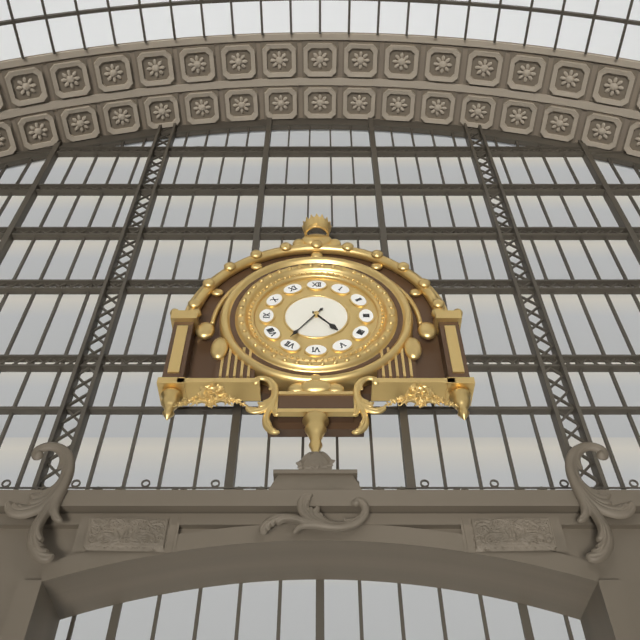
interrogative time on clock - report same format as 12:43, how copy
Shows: 4:36
